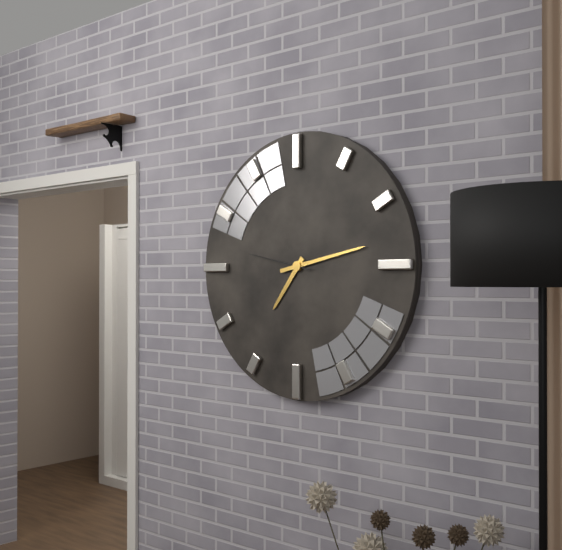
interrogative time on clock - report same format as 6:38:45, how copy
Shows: 7:13:47
